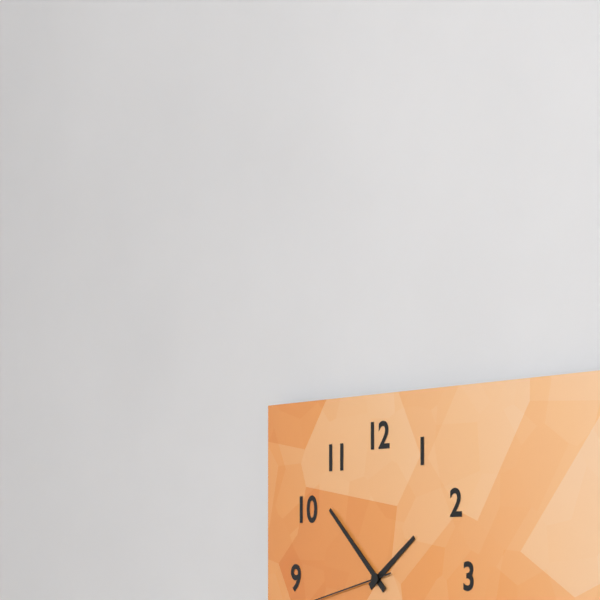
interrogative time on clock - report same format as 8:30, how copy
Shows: 1:52
